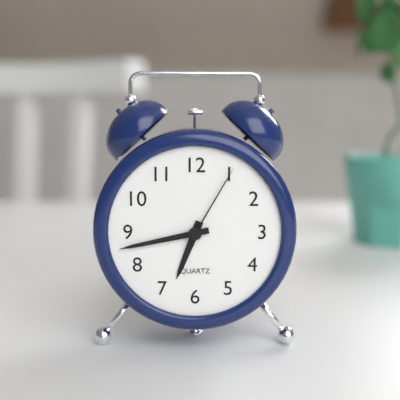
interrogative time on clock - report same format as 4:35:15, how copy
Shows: 6:43:05
